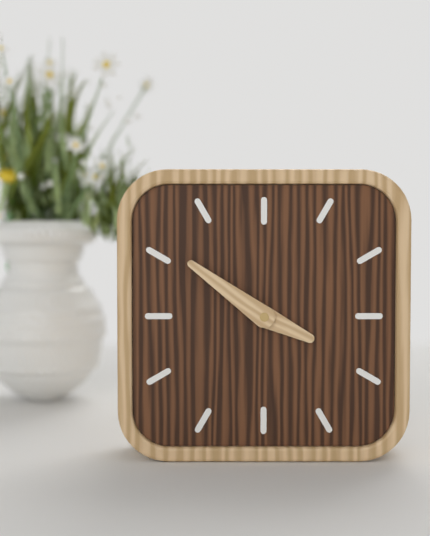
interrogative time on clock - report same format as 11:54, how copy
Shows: 3:51
